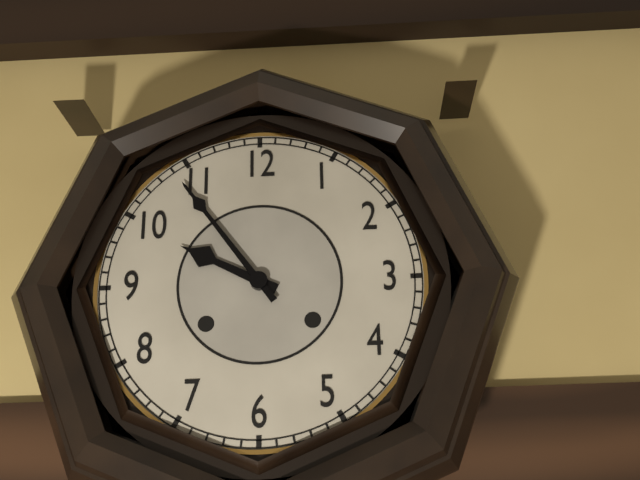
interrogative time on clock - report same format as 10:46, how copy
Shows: 9:54
